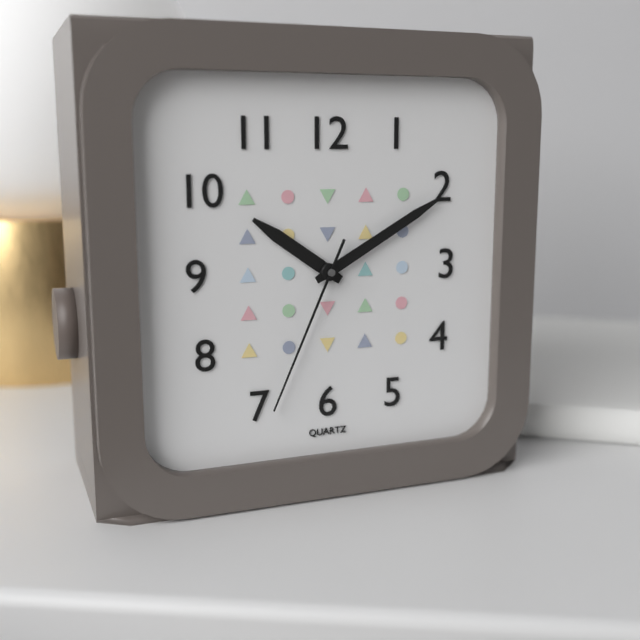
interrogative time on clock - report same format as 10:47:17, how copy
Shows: 10:10:34
